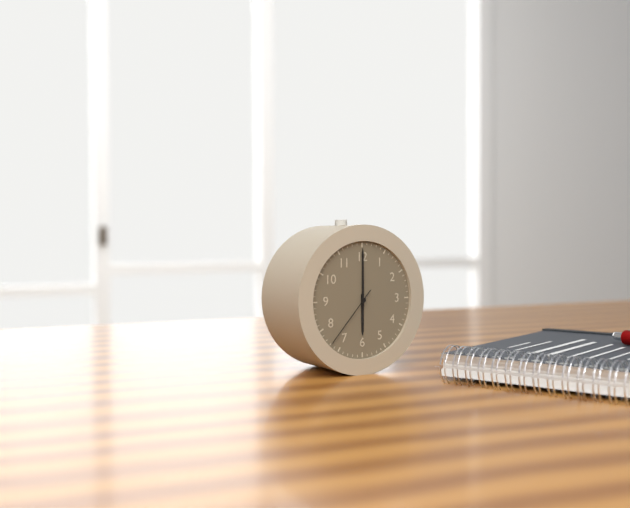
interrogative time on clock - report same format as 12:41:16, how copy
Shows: 6:00:37
